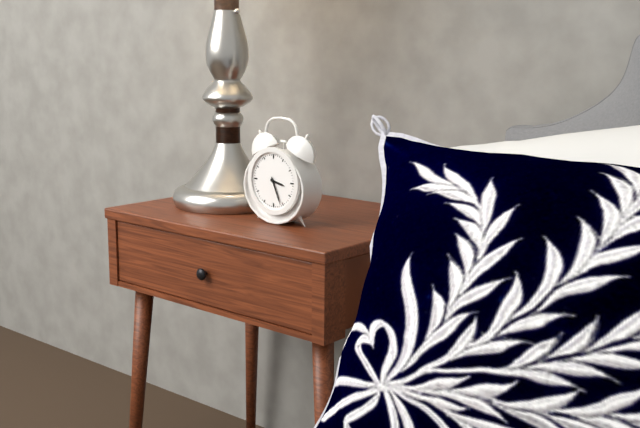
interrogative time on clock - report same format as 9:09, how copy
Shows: 3:26
